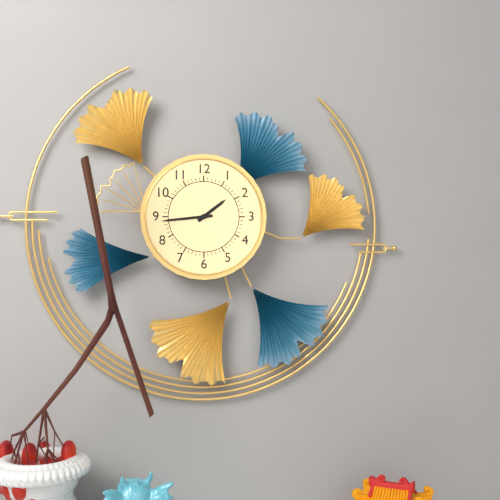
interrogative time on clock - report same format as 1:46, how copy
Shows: 1:44
